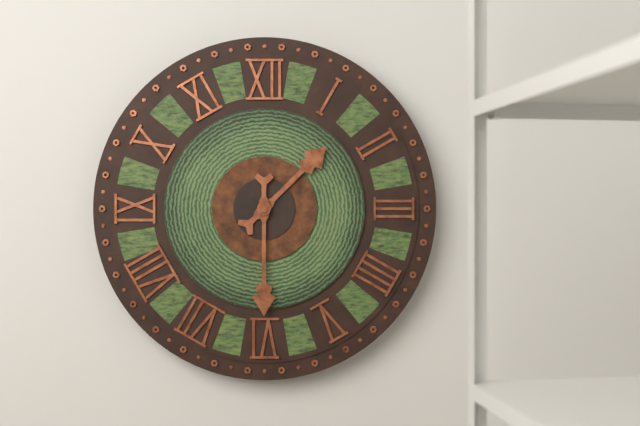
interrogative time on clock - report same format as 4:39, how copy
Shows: 1:30
